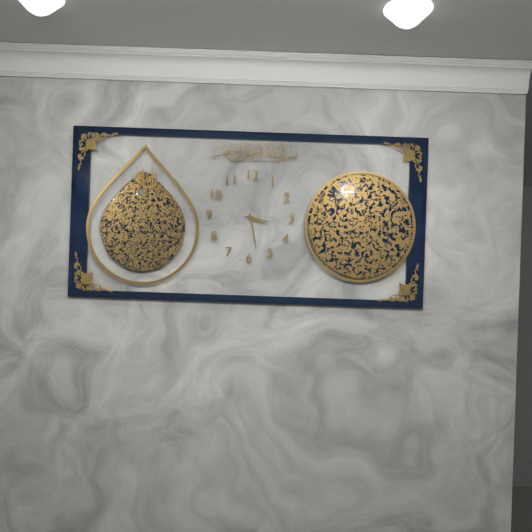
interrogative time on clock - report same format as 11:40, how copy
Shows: 3:28
